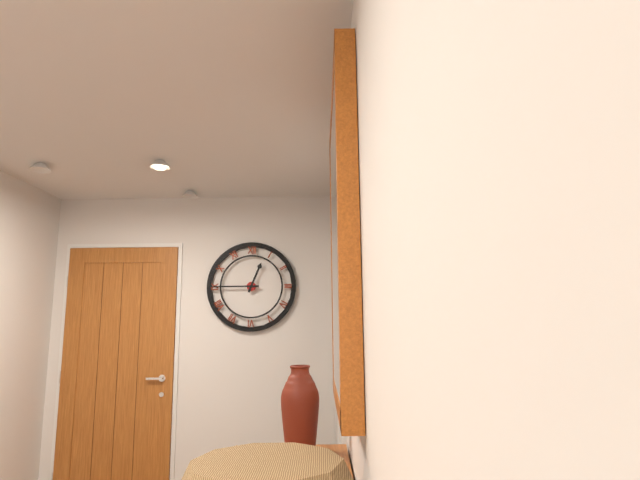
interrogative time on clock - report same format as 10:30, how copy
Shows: 12:45
